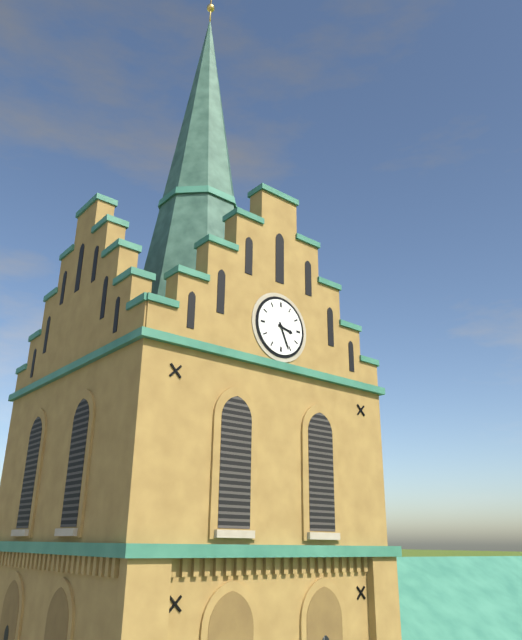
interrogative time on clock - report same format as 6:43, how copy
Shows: 3:26
